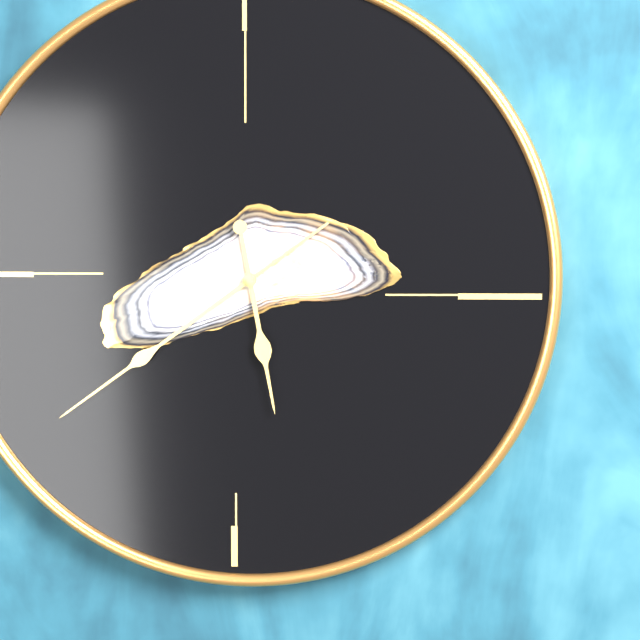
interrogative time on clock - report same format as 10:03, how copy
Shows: 5:39
